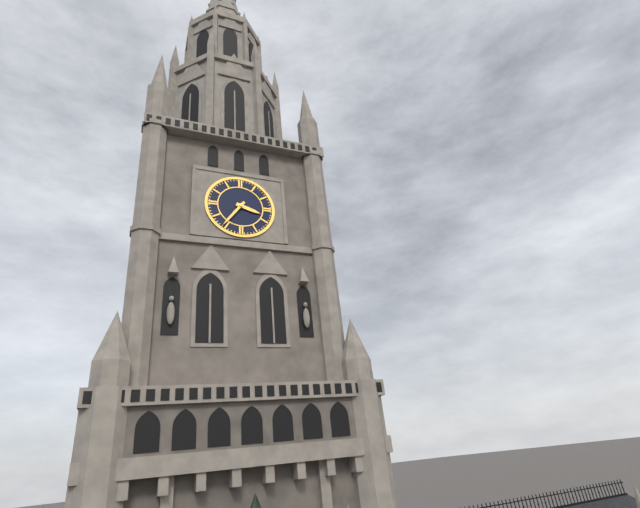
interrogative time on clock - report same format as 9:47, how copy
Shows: 3:36
